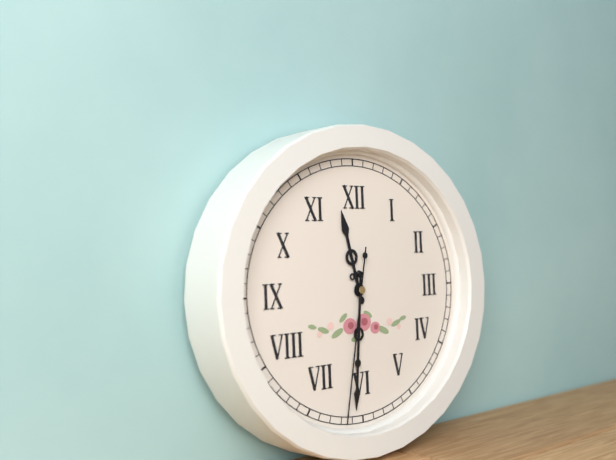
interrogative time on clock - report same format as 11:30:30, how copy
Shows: 11:31:32
